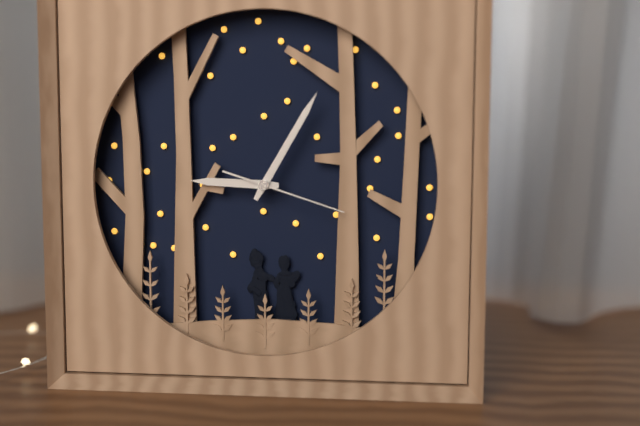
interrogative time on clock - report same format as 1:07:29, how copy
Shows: 9:05:18
